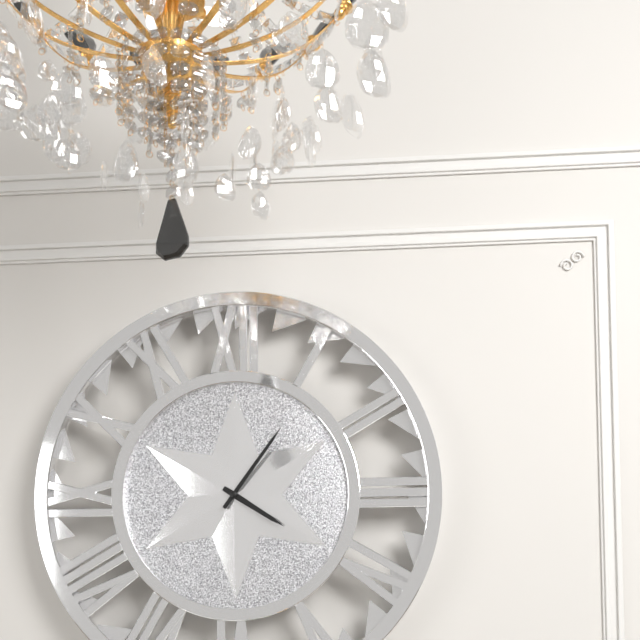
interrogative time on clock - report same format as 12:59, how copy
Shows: 4:06
